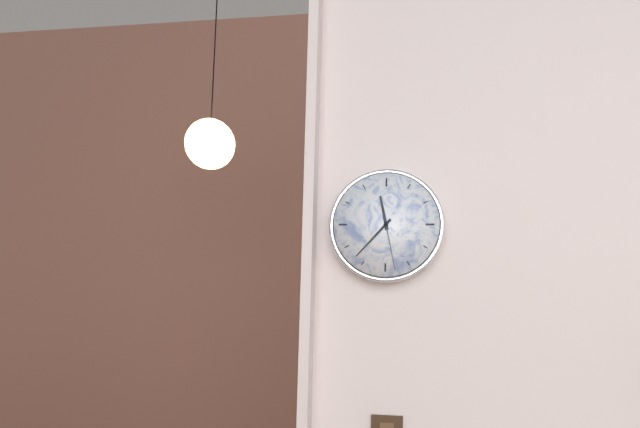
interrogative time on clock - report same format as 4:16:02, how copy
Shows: 11:37:28
